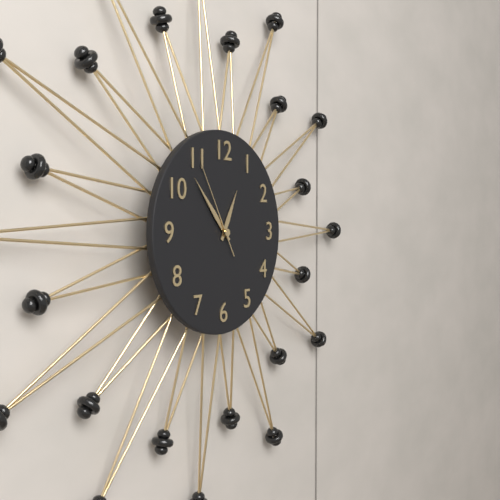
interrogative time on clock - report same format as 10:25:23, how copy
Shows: 12:53:55
